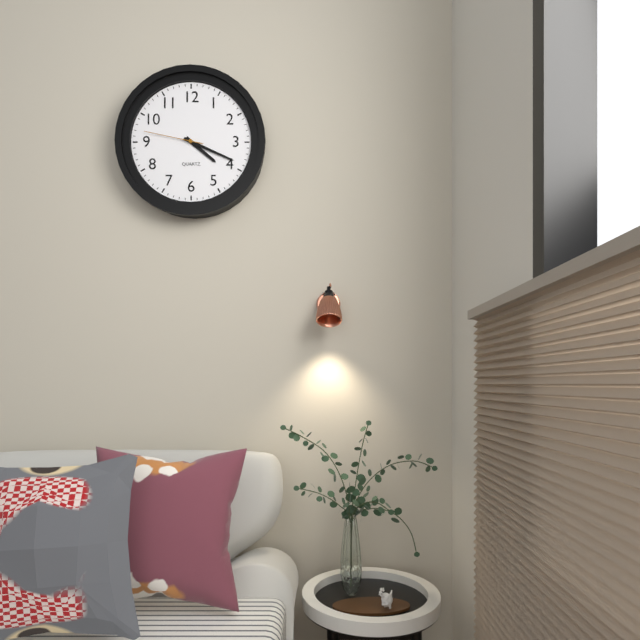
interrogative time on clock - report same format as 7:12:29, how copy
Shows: 4:19:47
